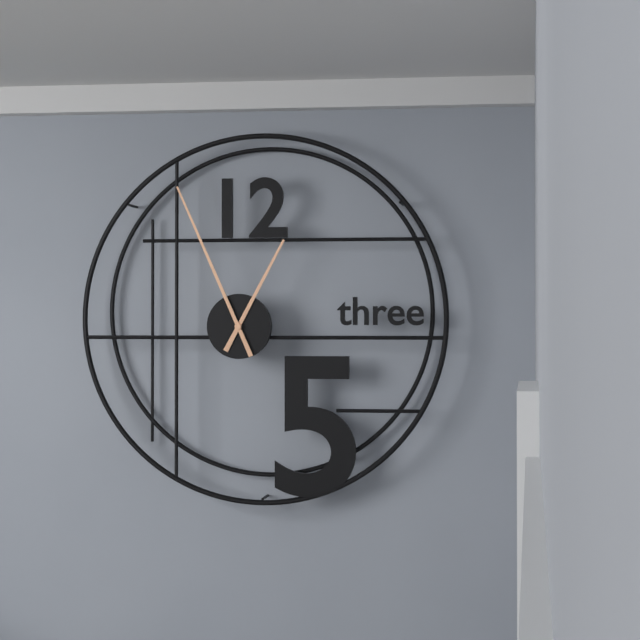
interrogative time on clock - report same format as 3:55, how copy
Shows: 12:56
